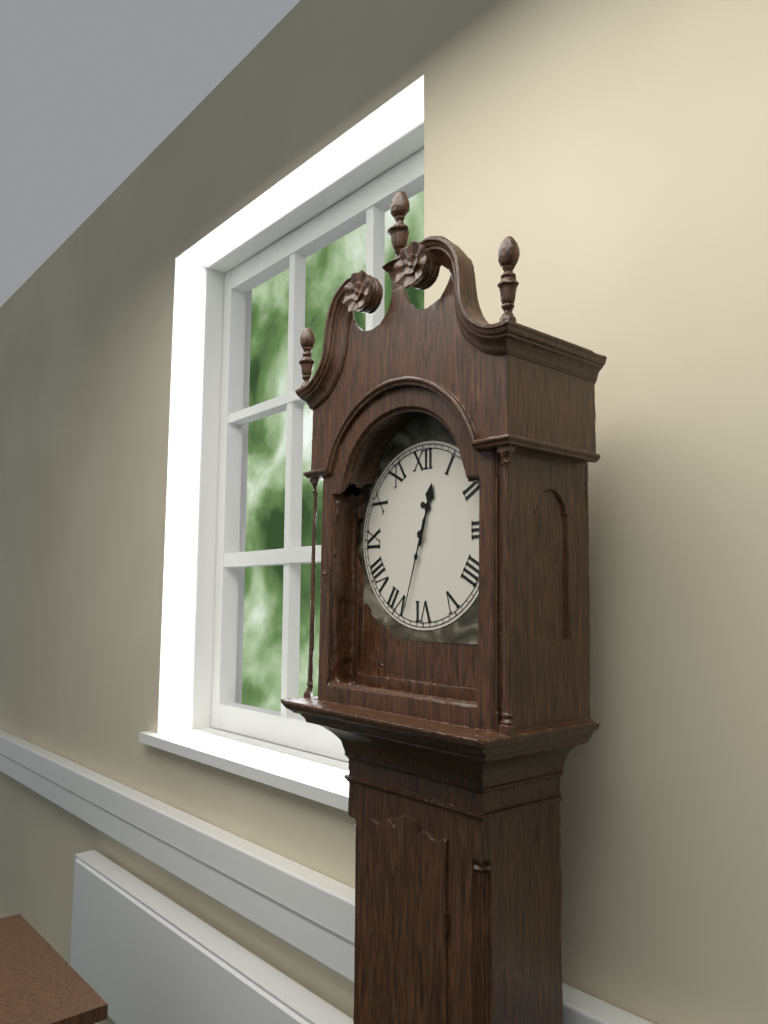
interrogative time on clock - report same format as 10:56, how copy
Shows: 12:33
